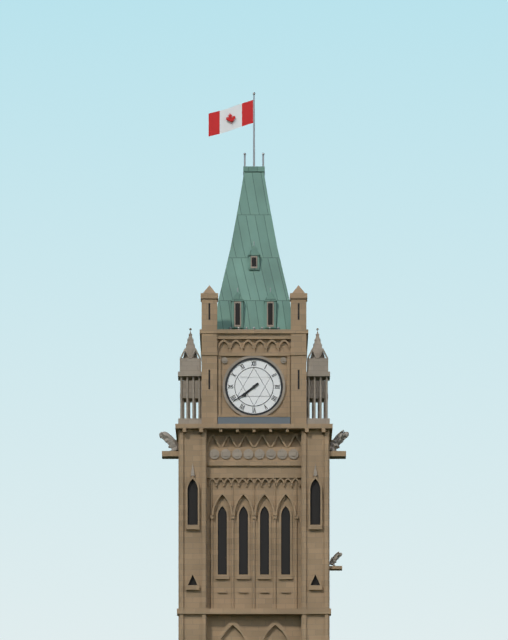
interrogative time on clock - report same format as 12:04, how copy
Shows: 7:39
